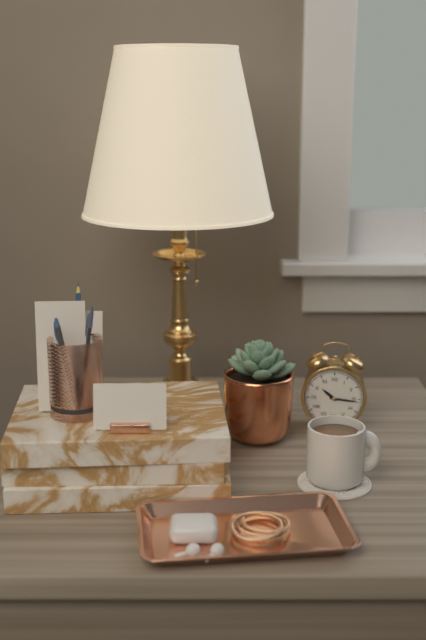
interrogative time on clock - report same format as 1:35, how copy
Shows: 10:16
